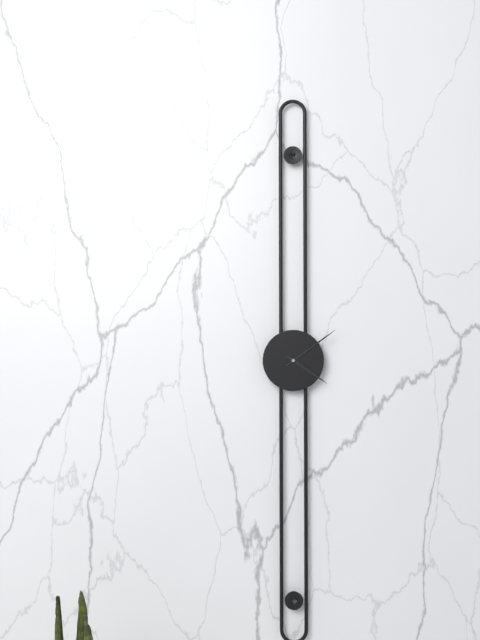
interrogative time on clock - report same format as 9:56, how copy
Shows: 4:09
